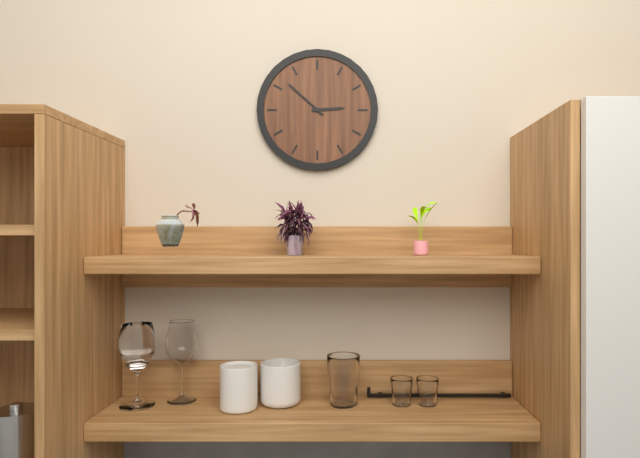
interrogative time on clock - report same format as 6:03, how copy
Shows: 2:52
